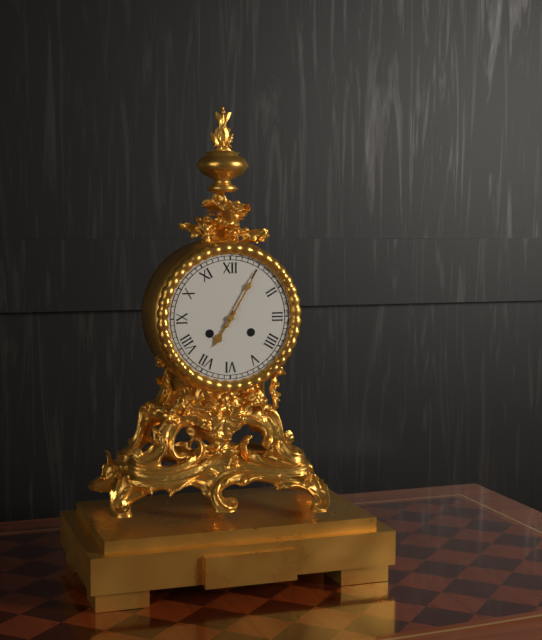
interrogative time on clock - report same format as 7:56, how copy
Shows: 7:05
